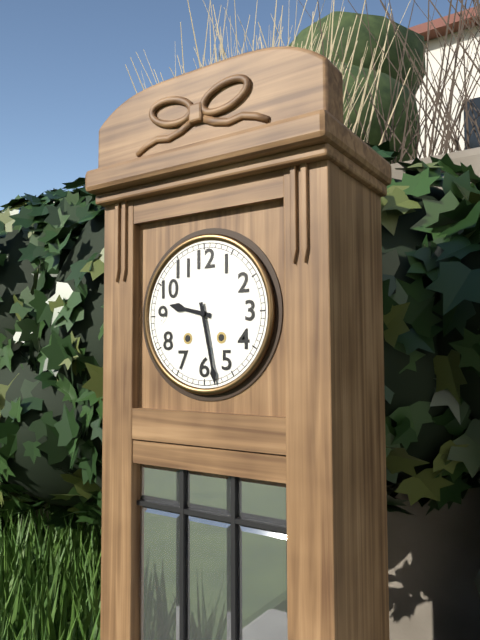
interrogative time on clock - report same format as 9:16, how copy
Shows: 9:28
